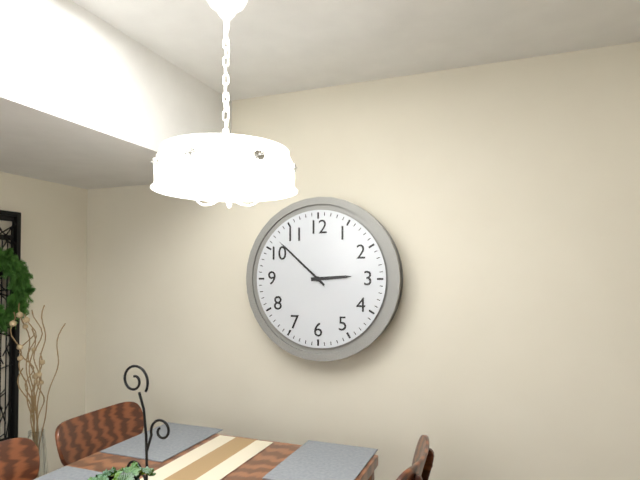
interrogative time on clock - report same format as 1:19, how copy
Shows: 2:52
